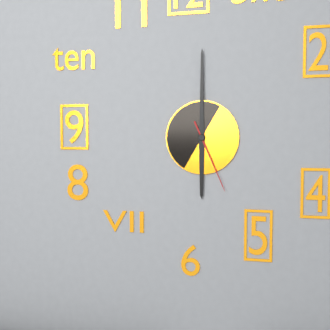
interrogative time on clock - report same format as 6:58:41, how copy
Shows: 6:00:26
